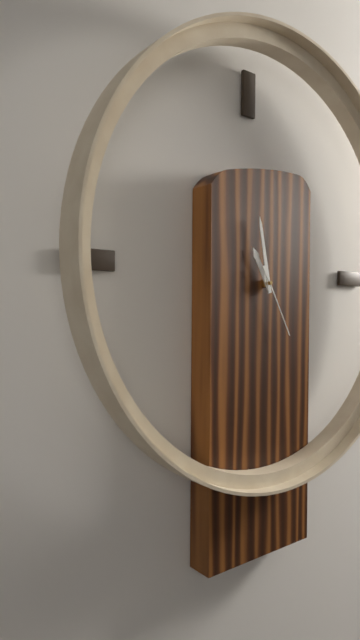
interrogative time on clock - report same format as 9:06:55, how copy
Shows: 10:58:25
